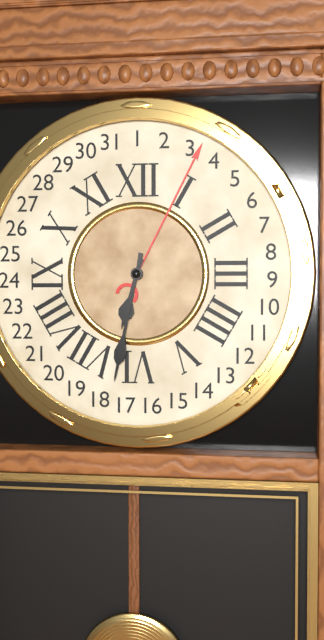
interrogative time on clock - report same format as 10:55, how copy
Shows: 6:32
